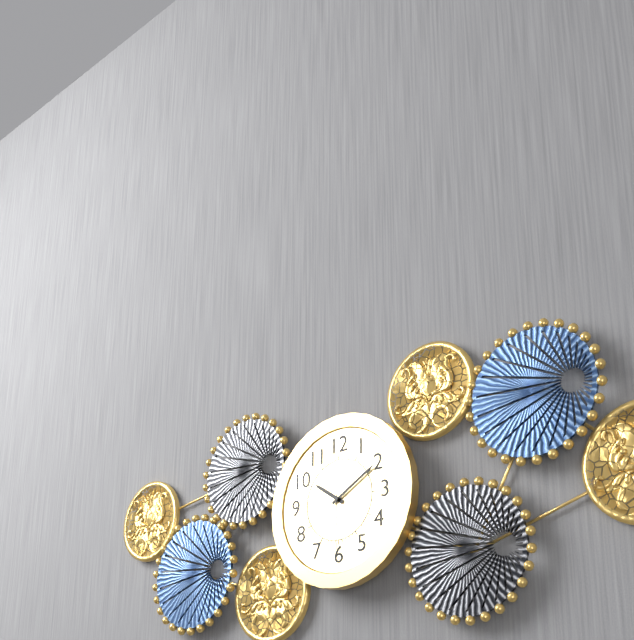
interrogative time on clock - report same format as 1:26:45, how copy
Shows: 10:10:30
